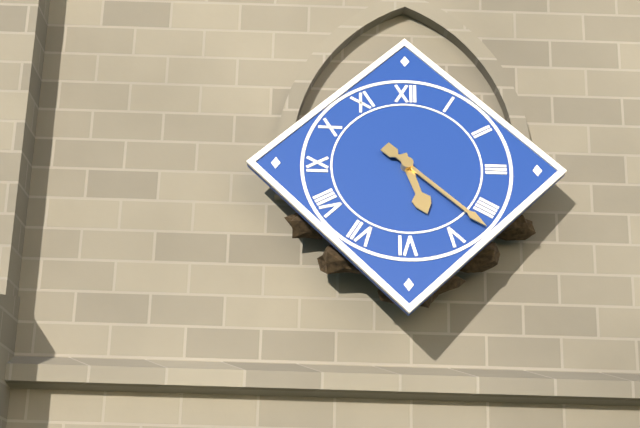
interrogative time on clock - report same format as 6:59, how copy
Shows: 5:22
